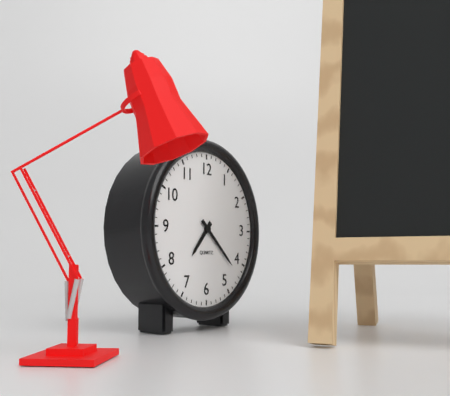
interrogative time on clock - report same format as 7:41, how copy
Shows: 7:22
